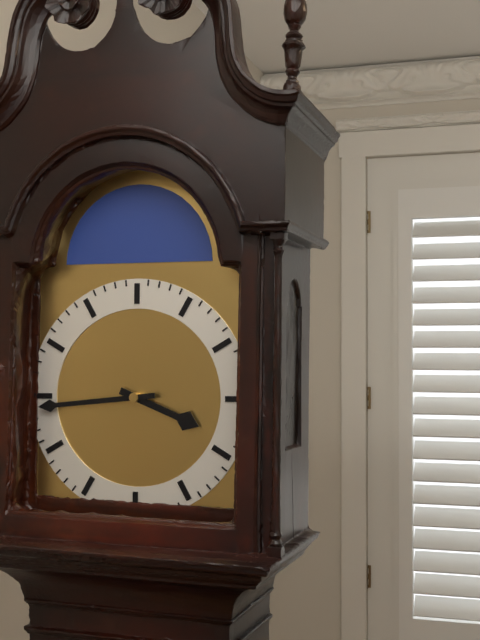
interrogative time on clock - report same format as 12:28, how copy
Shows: 3:44
